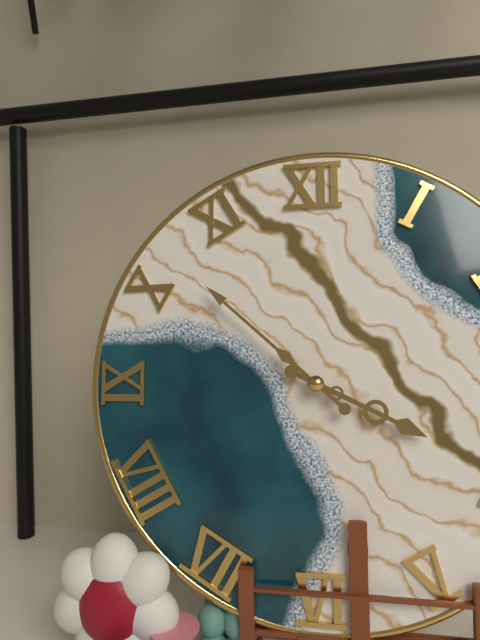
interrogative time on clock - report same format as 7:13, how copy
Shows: 3:52
